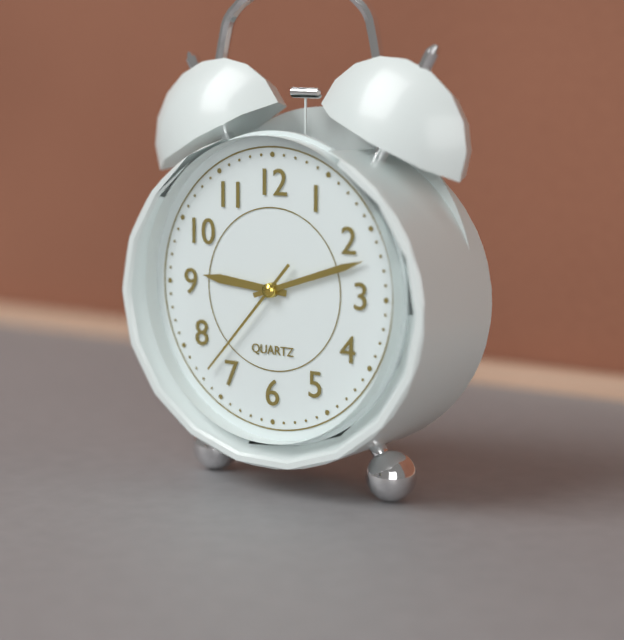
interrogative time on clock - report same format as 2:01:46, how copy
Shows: 9:12:37
